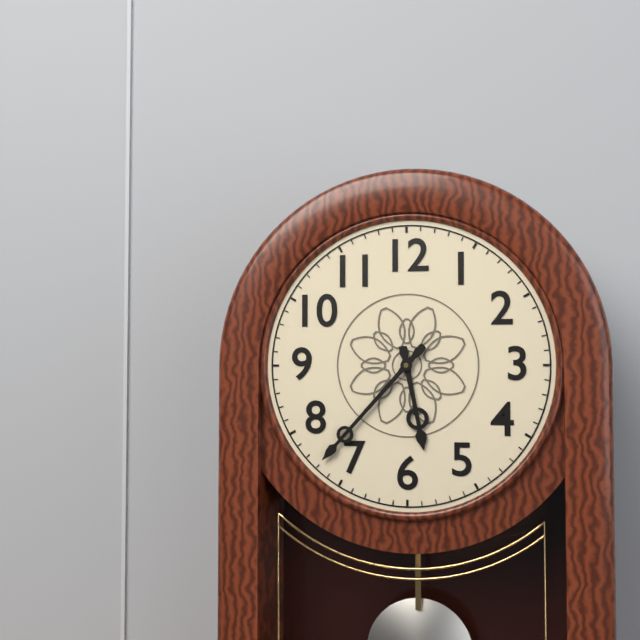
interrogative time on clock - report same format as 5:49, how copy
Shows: 5:37
